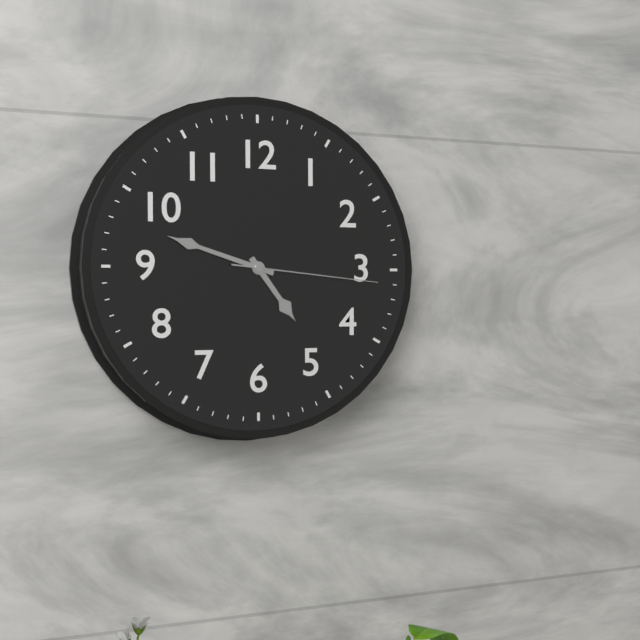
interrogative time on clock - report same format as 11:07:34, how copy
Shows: 4:48:16
